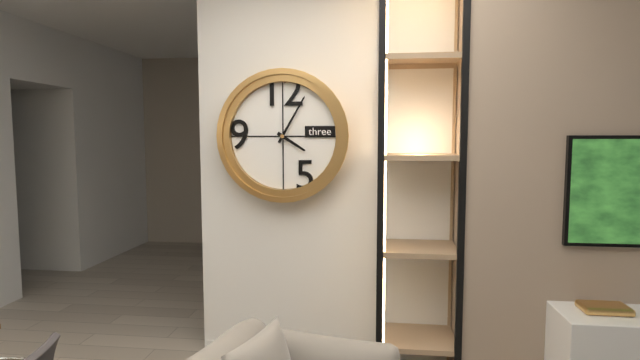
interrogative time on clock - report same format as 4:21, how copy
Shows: 4:05
